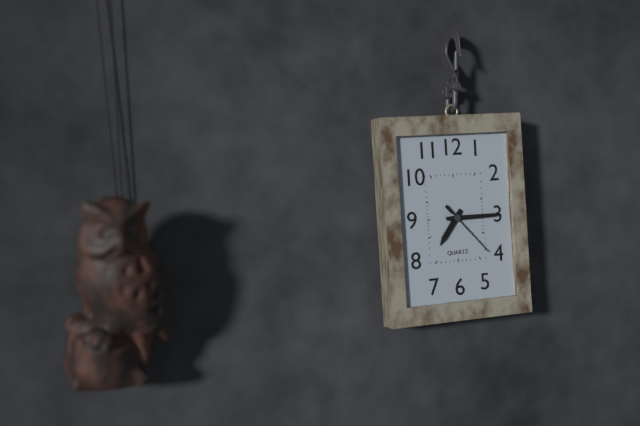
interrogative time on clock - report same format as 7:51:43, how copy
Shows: 7:15:23
